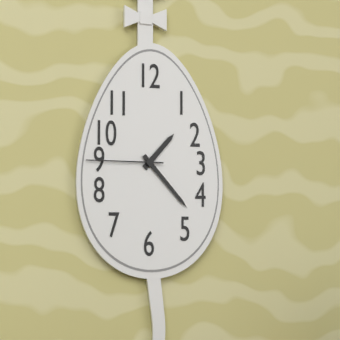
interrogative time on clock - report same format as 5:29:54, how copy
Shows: 1:23:45
